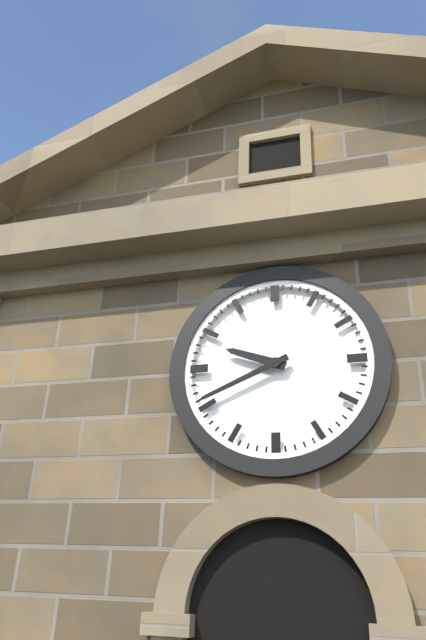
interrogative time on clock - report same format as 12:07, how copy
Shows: 9:41
